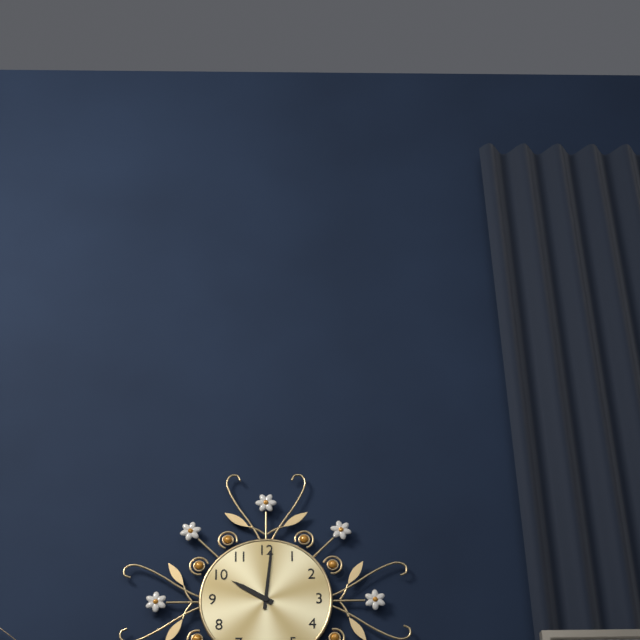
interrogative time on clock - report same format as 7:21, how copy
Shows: 10:01
